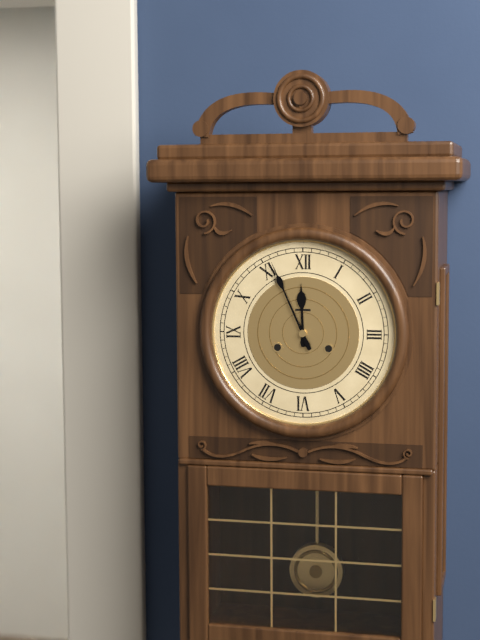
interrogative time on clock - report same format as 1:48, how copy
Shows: 11:56
